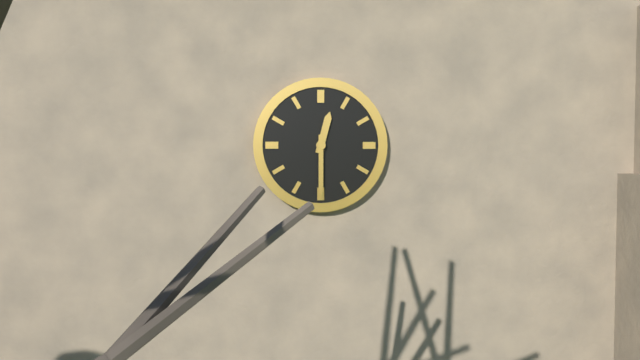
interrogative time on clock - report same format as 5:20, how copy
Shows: 12:30
